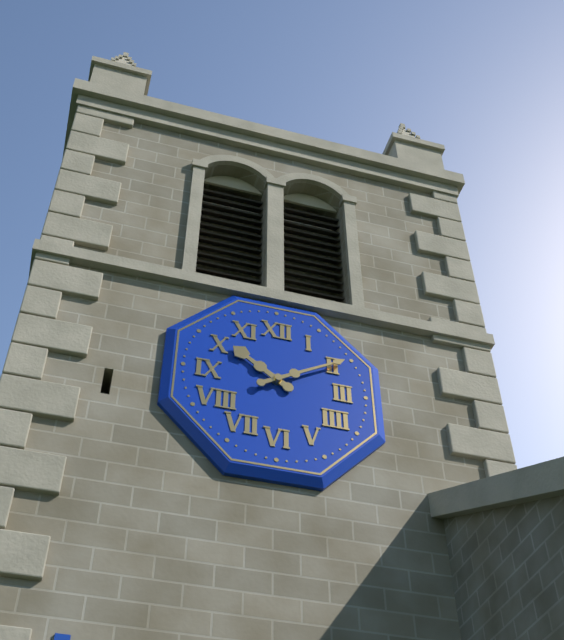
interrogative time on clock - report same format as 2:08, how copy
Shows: 10:10
